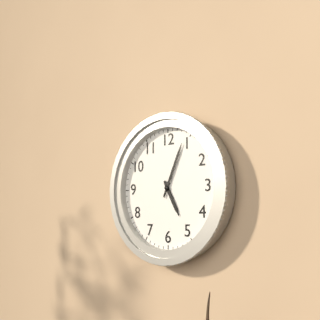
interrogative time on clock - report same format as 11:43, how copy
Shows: 5:04
